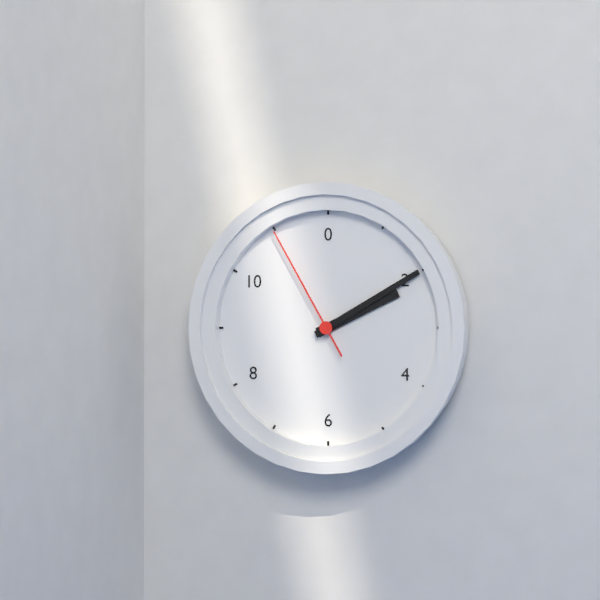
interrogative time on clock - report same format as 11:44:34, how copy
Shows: 2:10:55
